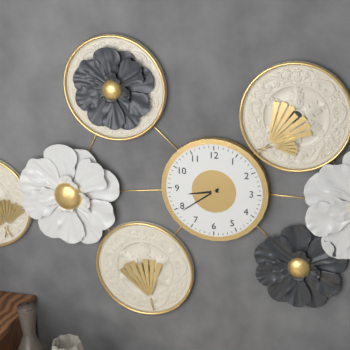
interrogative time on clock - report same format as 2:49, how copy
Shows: 8:39
